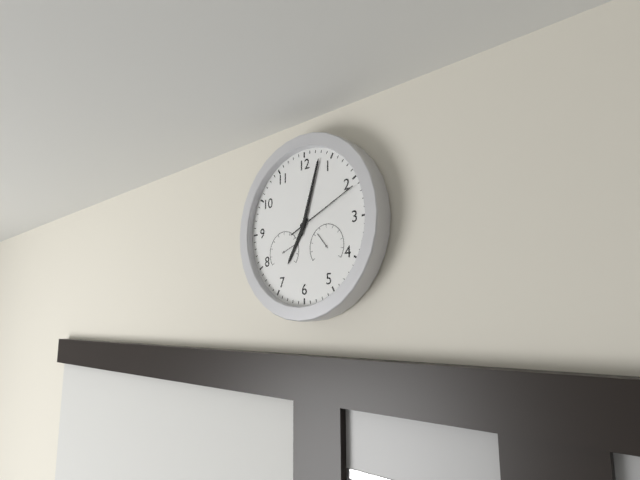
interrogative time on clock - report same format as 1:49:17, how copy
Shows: 7:03:11
